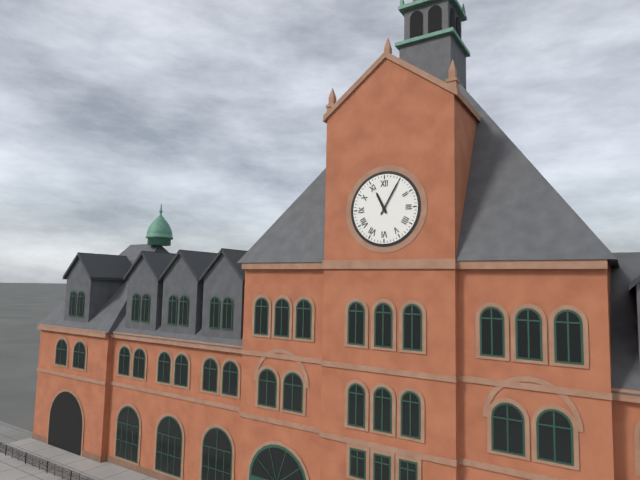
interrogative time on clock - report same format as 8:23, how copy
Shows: 11:05
